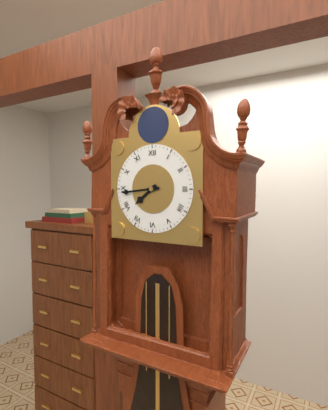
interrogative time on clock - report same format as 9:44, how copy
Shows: 7:44
